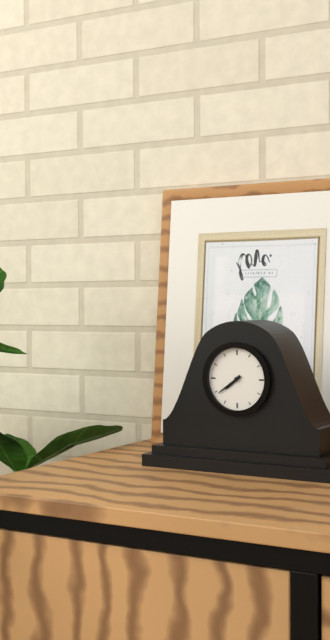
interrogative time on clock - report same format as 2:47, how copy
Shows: 7:39
